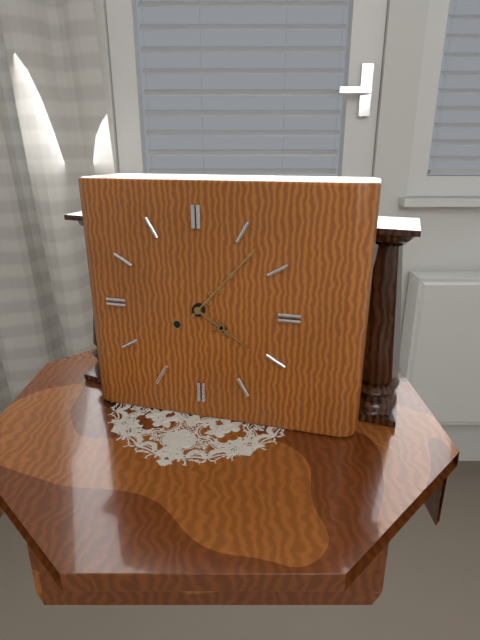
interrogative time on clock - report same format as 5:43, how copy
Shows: 4:07
